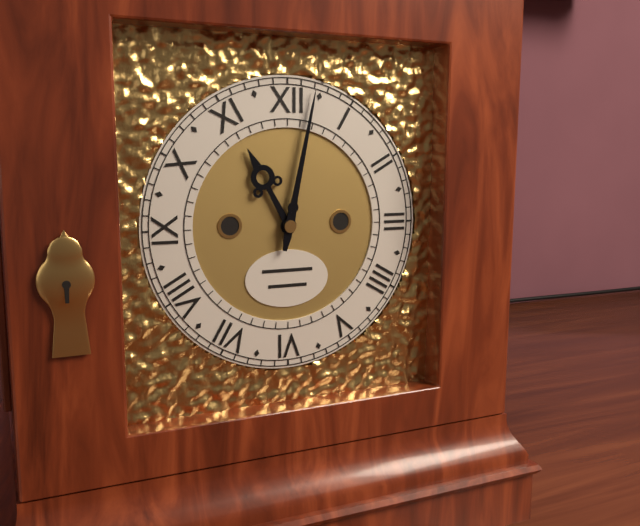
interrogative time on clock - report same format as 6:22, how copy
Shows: 11:02
